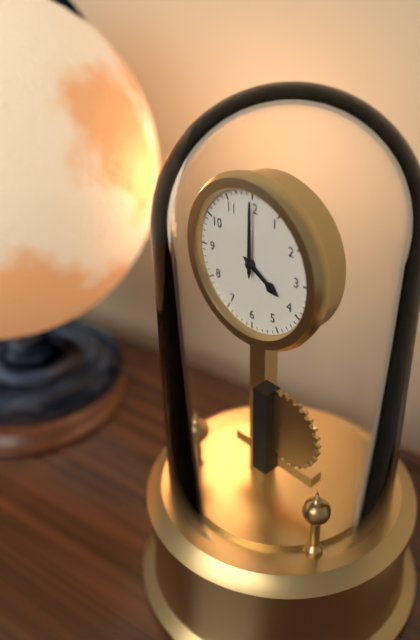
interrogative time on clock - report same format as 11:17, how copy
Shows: 4:00
